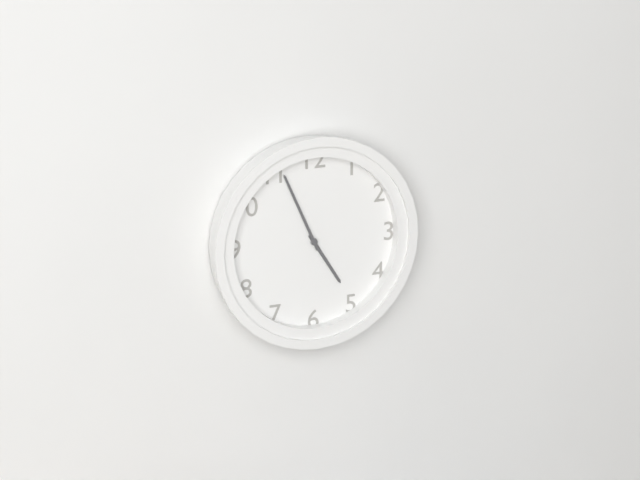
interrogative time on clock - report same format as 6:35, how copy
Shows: 4:56
